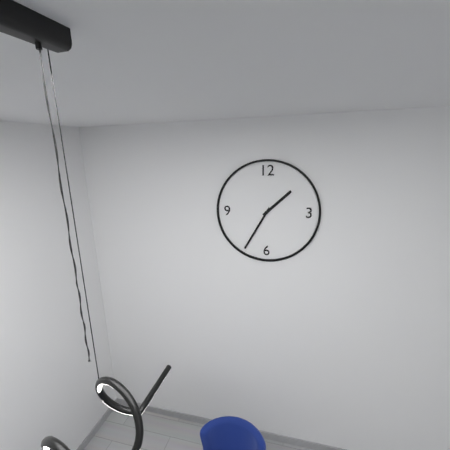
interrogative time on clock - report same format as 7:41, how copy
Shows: 1:35
